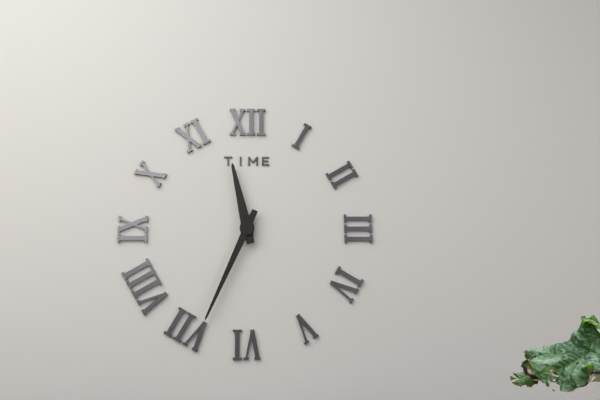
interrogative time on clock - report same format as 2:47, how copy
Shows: 11:34
